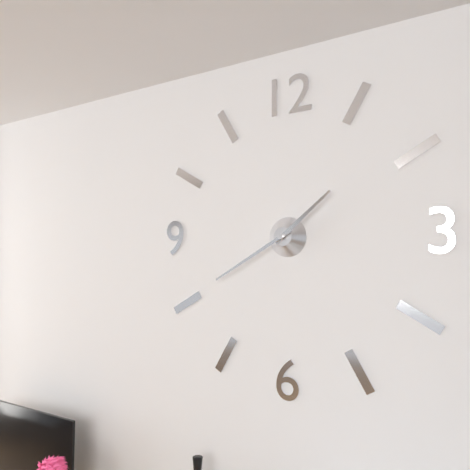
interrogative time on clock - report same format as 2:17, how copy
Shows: 1:40
